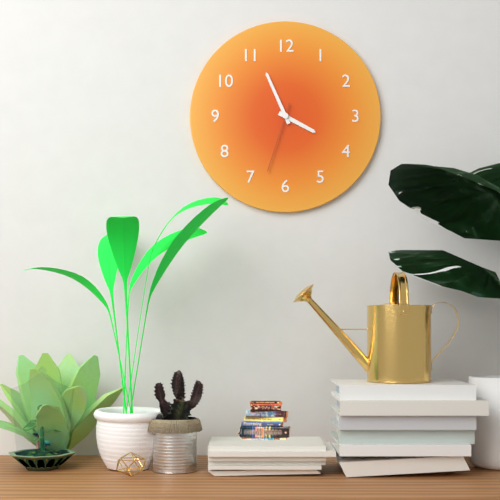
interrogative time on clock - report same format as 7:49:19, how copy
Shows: 3:56:33
